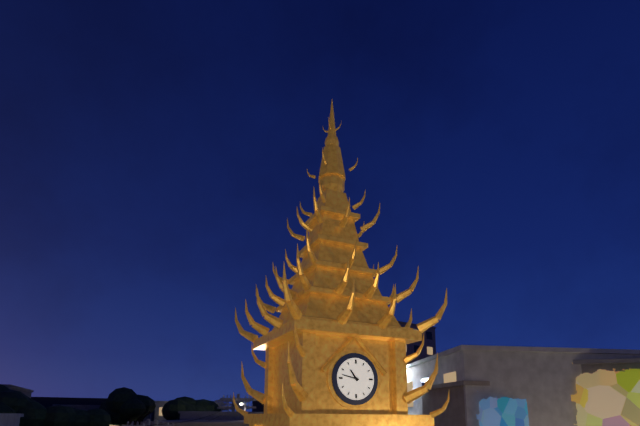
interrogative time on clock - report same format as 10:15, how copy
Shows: 10:47
